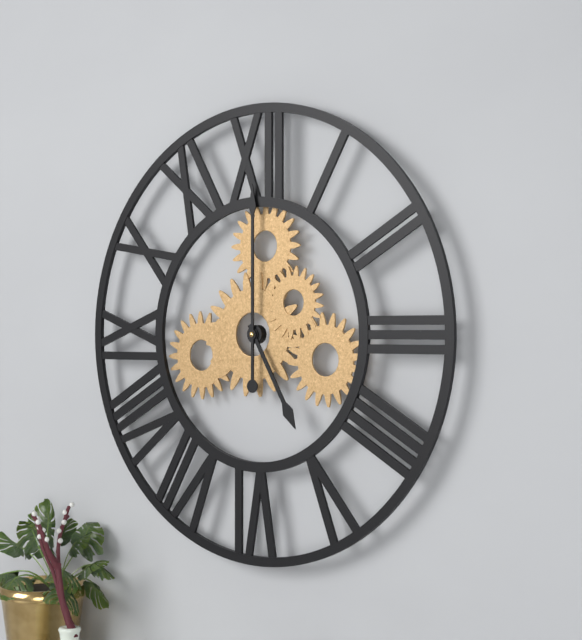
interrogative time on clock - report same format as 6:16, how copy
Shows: 5:00
